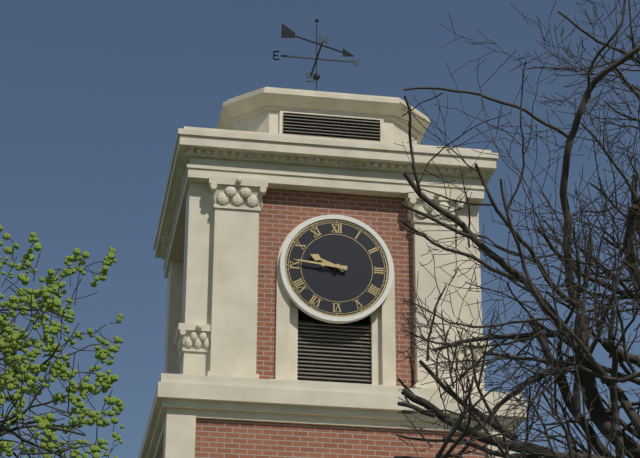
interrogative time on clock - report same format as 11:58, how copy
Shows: 9:46
